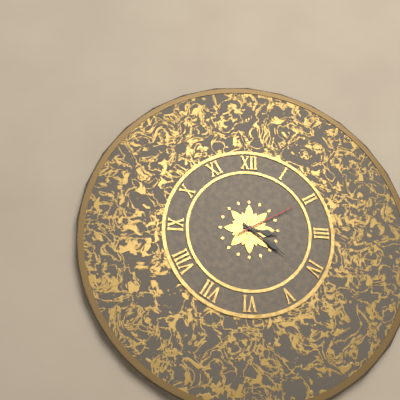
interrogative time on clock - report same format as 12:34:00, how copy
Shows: 3:21:10
